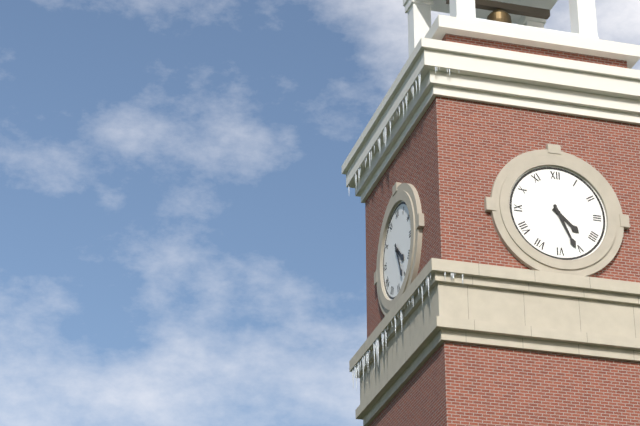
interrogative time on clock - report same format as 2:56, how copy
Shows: 4:26
